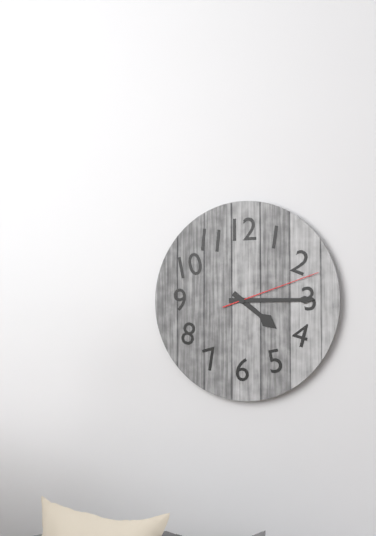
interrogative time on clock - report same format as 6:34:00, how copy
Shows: 4:15:12
